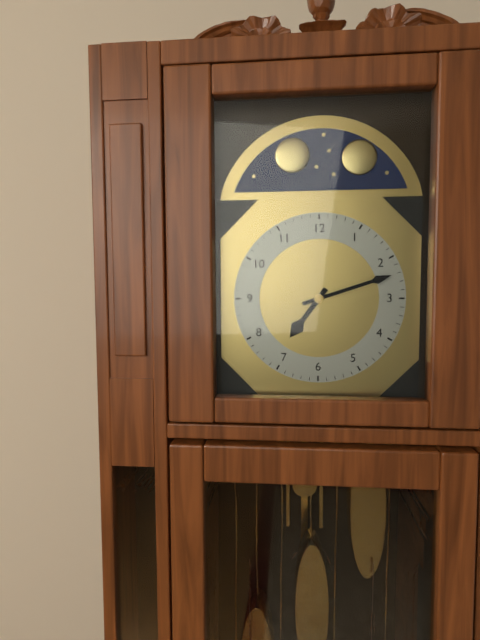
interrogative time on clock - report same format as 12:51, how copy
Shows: 7:12
